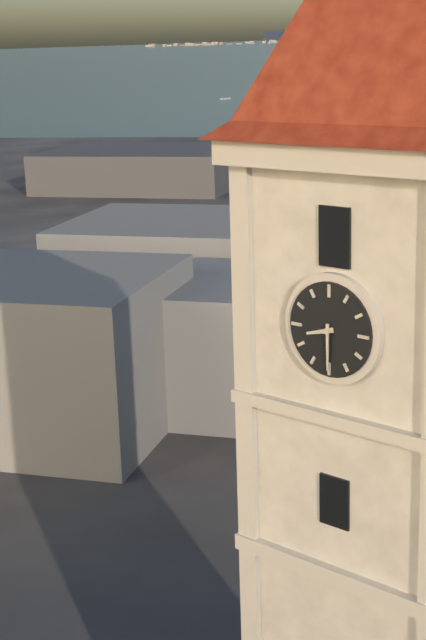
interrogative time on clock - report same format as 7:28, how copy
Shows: 8:30
